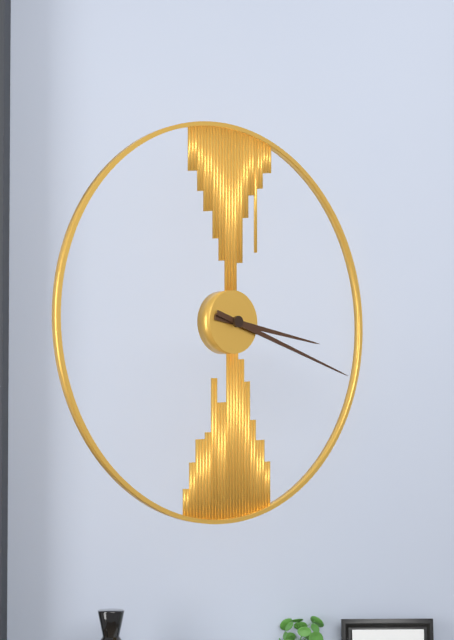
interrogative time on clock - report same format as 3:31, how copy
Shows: 3:18
